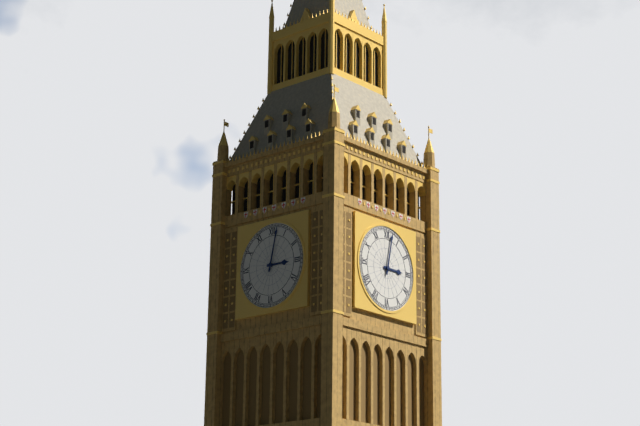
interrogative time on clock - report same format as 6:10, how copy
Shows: 3:02
